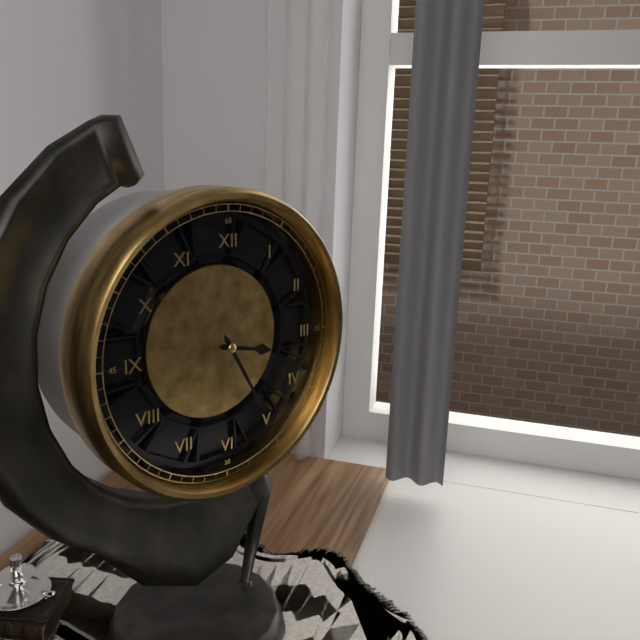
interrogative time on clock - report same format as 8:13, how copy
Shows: 3:25
